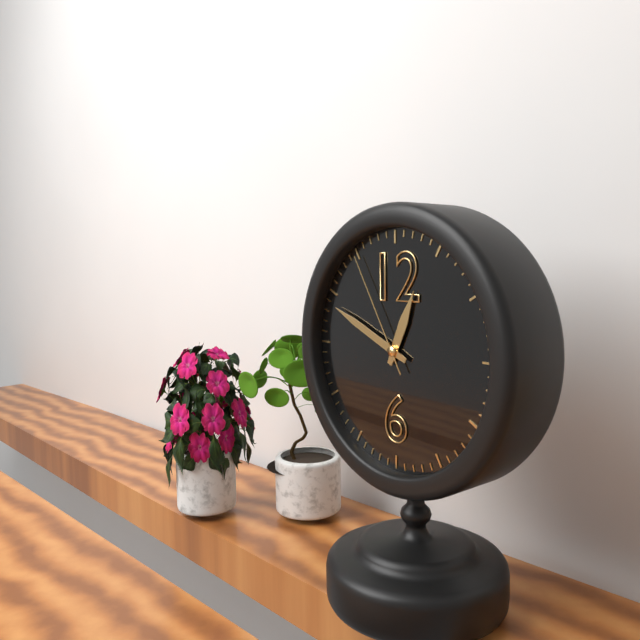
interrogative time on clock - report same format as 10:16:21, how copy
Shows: 12:49:55
